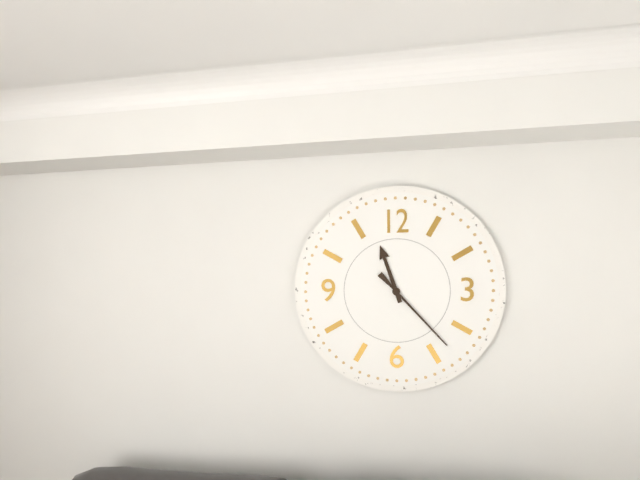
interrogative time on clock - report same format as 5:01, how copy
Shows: 11:23
